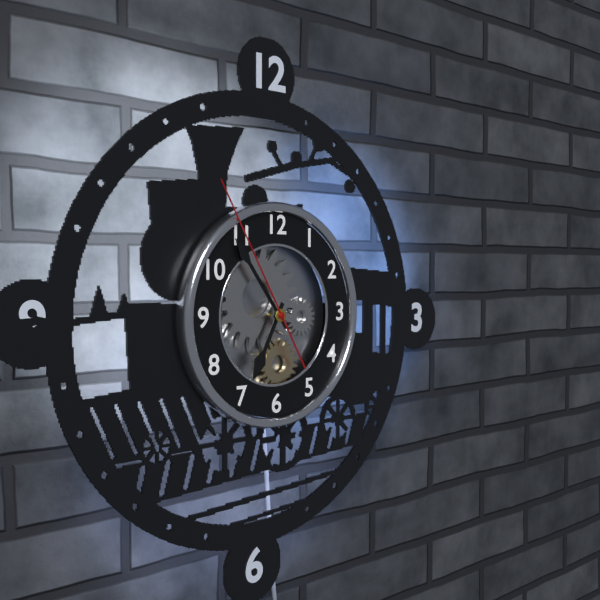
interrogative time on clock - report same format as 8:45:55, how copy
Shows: 6:54:55
